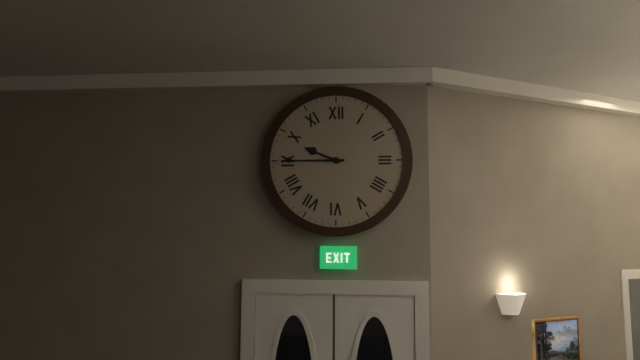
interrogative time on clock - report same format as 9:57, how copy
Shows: 9:45
